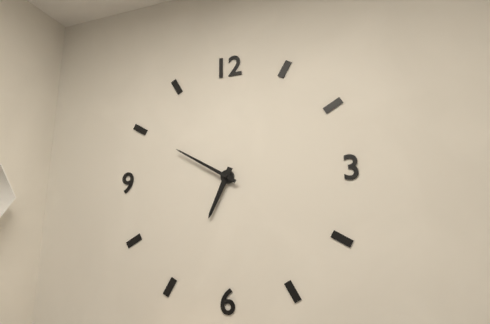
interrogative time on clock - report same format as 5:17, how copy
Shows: 6:50
